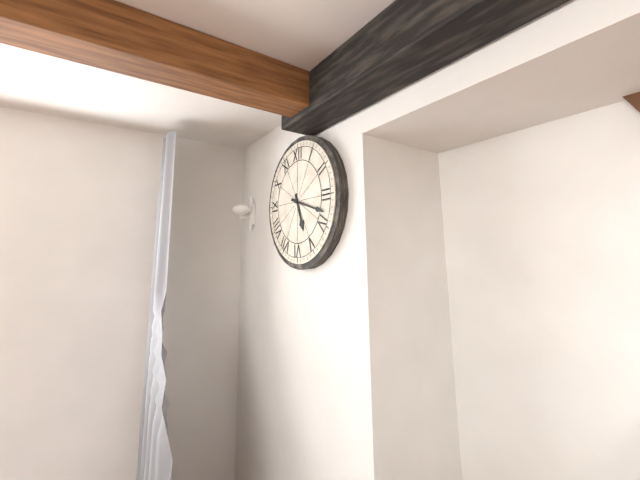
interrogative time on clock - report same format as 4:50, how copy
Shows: 5:18
